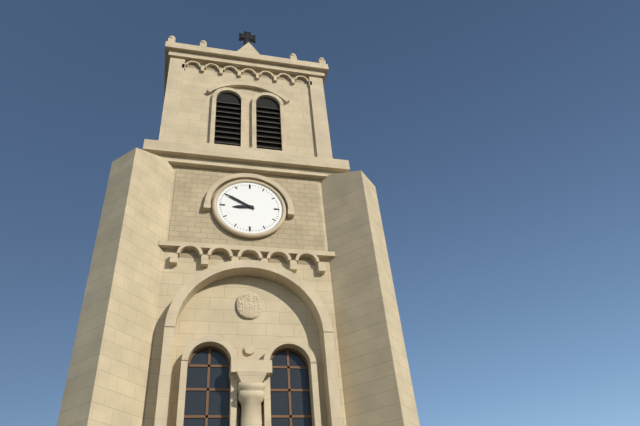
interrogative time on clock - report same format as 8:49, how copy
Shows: 8:50
